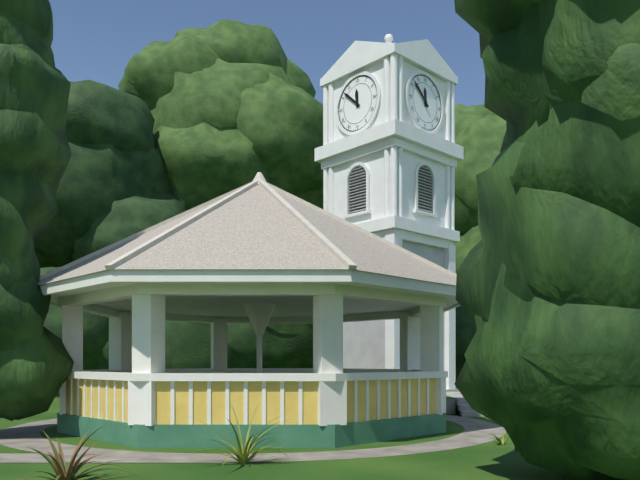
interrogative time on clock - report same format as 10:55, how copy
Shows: 11:52
